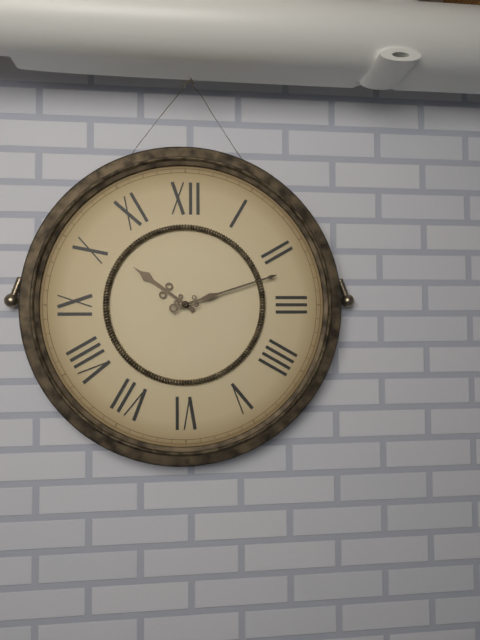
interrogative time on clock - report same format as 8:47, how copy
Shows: 10:12
